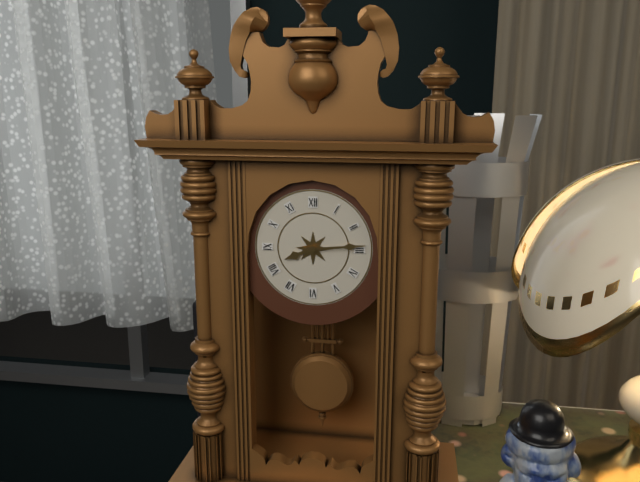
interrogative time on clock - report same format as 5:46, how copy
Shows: 8:14
